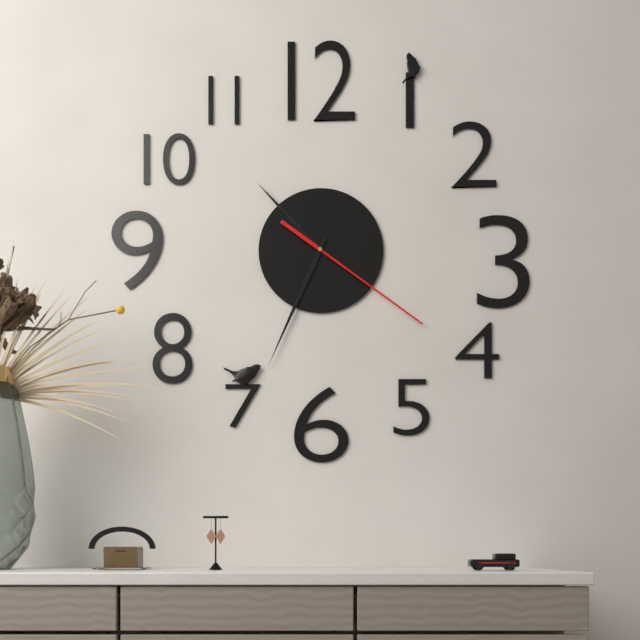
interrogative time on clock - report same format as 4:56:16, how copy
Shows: 10:34:21
